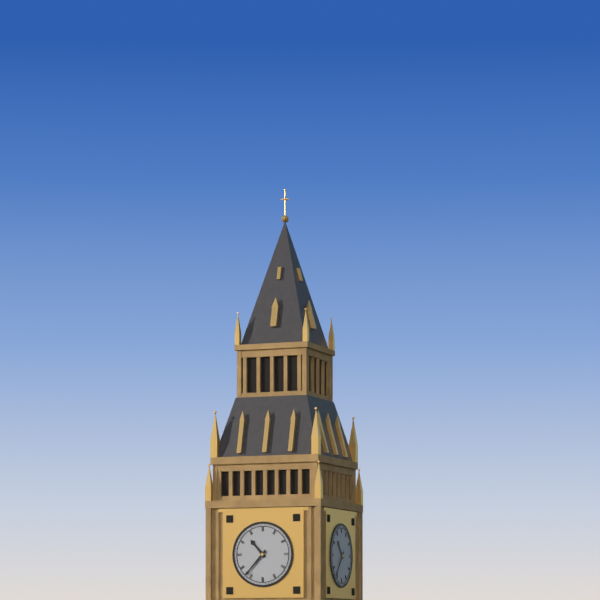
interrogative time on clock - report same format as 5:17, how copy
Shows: 10:37
